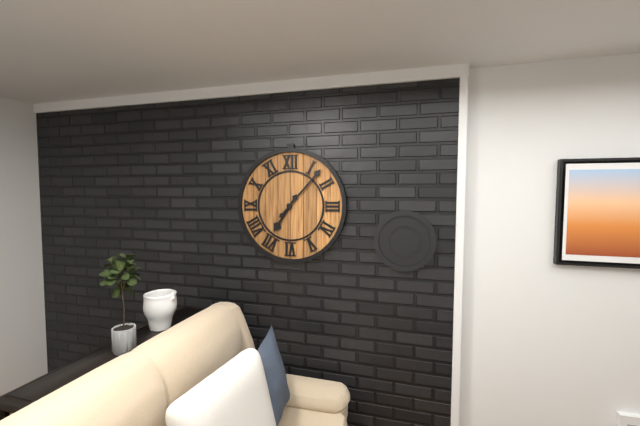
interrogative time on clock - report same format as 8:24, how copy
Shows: 7:07
